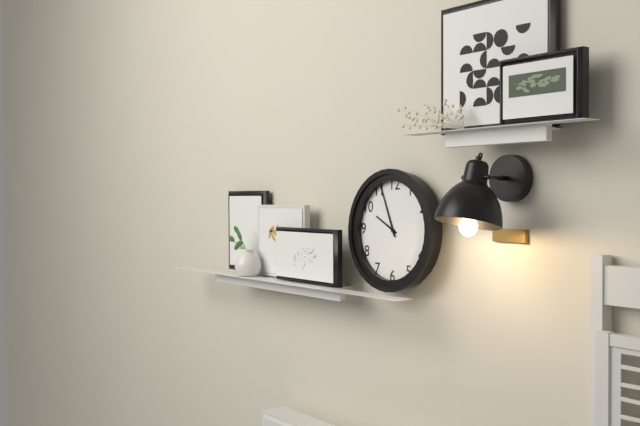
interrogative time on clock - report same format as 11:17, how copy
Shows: 9:56
